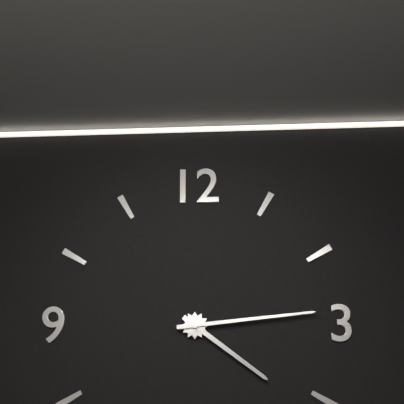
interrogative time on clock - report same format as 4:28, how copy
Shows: 4:14
